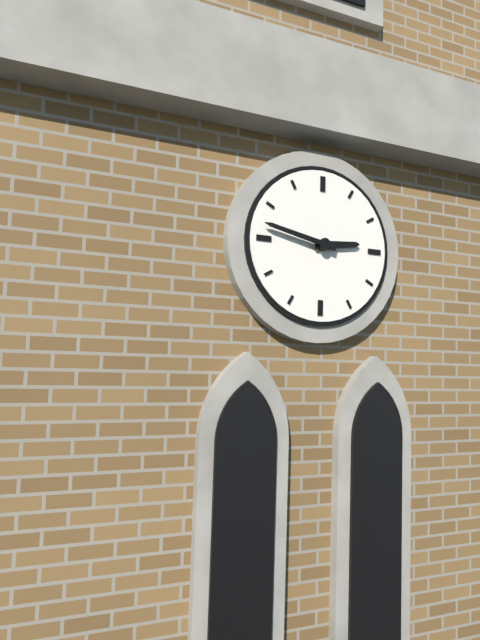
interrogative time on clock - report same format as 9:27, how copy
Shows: 2:47
